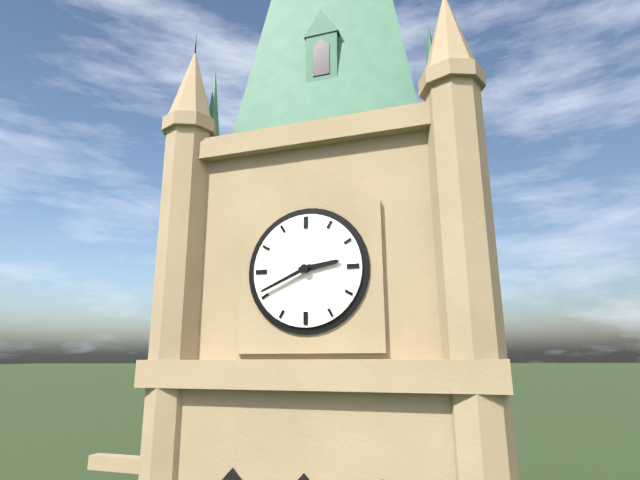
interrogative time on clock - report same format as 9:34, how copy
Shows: 2:41
